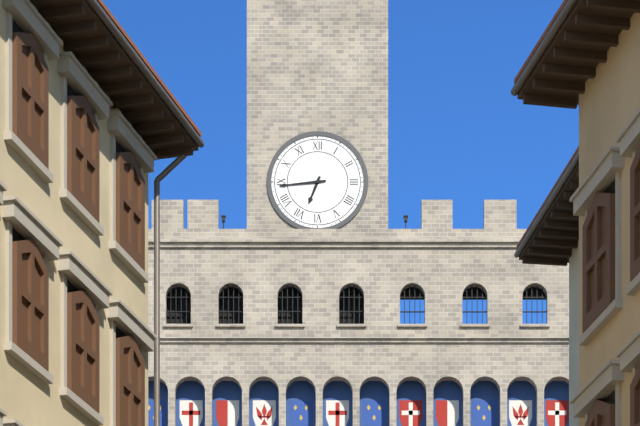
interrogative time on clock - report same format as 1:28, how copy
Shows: 6:44
